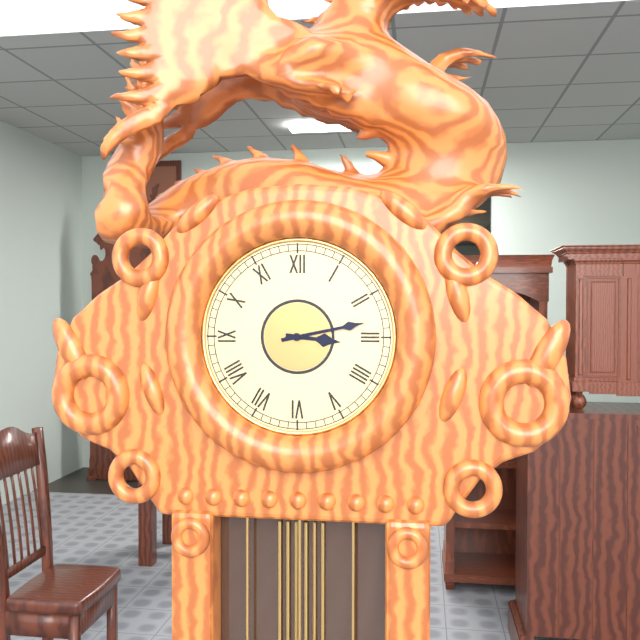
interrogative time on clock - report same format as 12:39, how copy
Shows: 3:13
